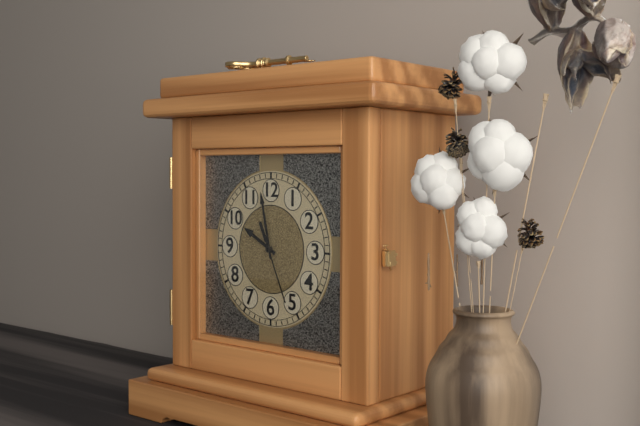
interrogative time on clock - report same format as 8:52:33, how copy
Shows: 9:58:26
